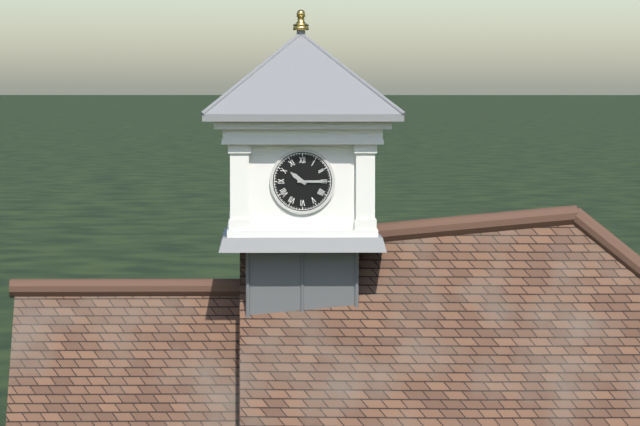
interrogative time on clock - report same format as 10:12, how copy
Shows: 10:15
